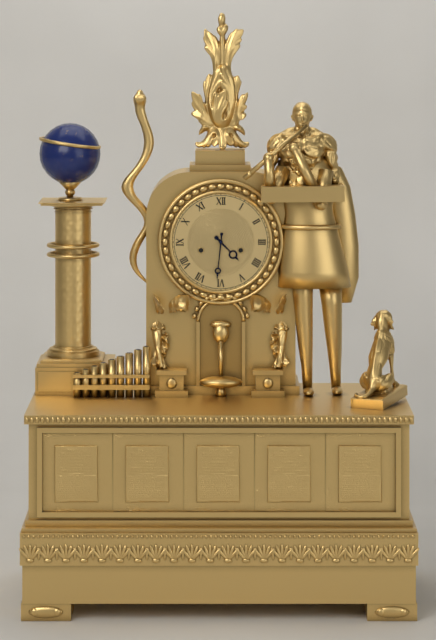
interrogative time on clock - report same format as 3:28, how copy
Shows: 4:31
